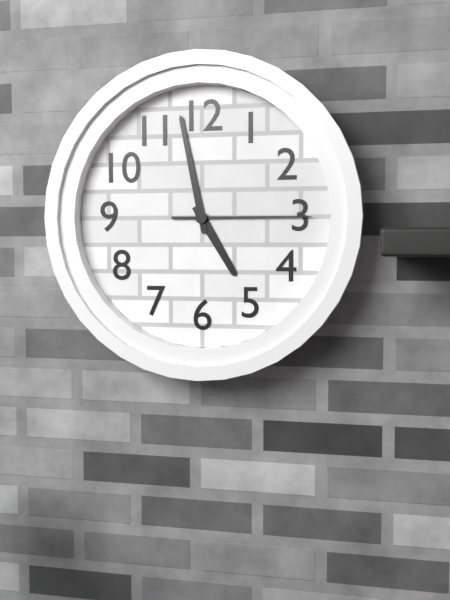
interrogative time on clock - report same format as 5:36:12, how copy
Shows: 4:58:15
